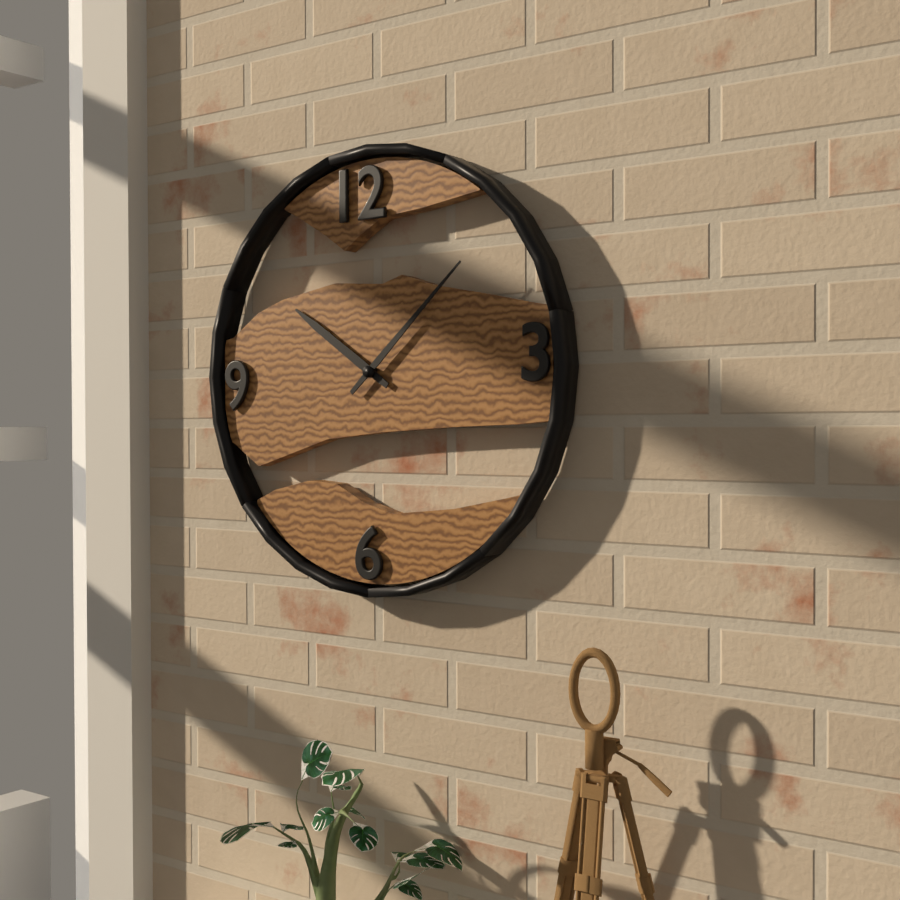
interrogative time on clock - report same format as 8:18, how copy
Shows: 10:08
